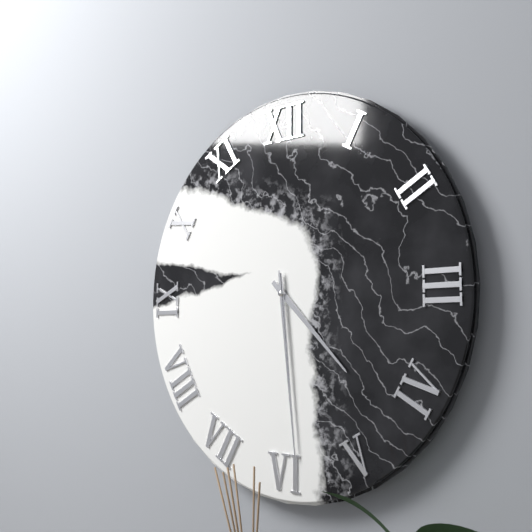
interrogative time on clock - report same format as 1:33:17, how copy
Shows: 4:29:29
